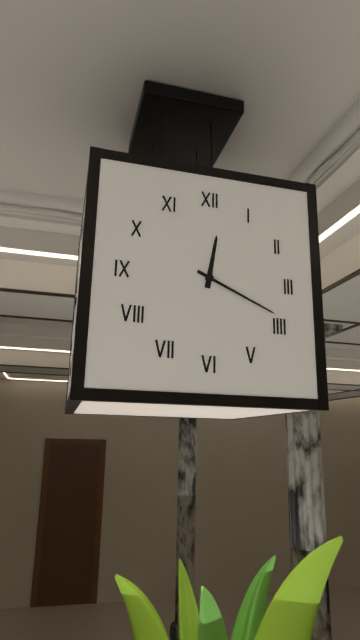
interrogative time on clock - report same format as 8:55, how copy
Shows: 12:19
